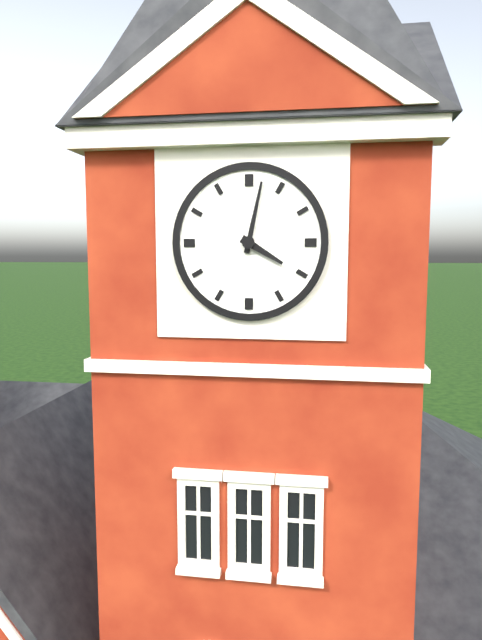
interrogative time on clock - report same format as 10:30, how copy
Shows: 4:02
